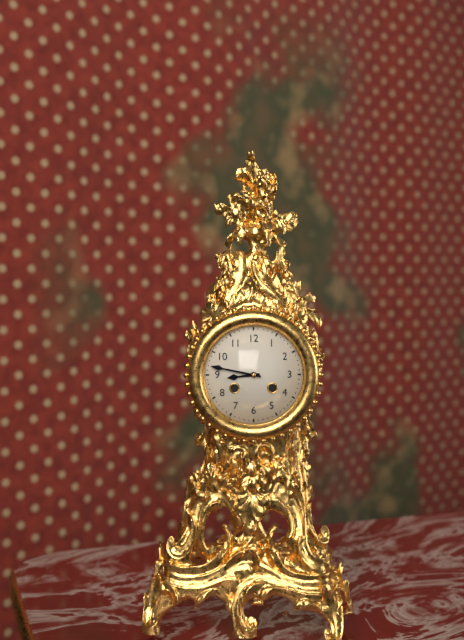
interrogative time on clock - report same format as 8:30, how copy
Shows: 8:47
